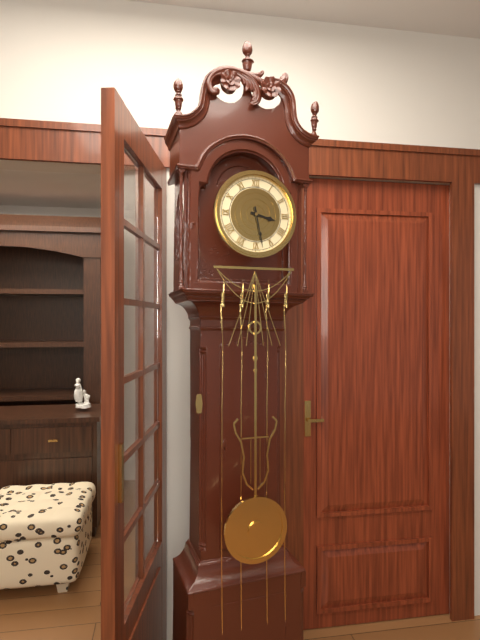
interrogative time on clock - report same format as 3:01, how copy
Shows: 3:28
